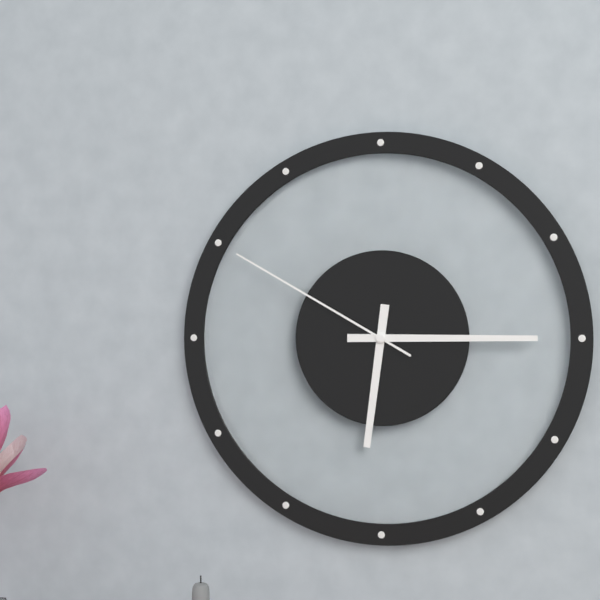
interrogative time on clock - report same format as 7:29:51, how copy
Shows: 6:15:50
